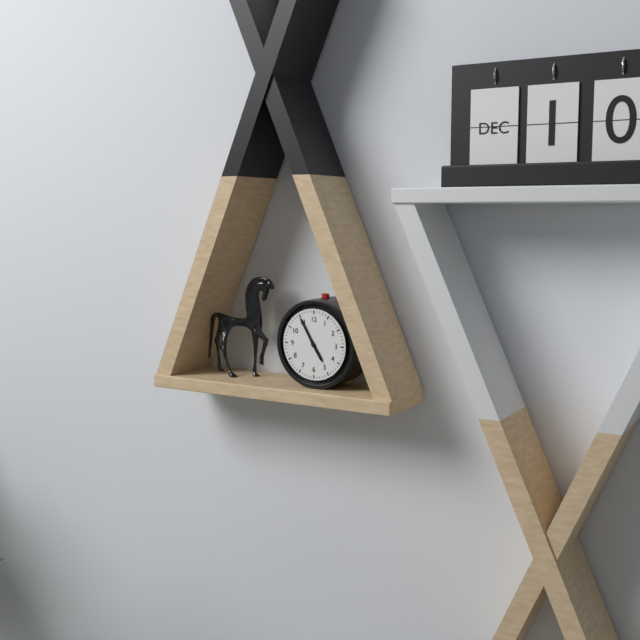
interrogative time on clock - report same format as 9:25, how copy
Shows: 4:55
